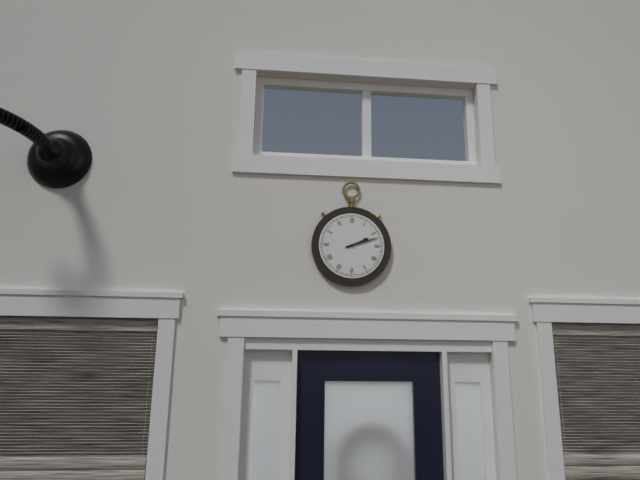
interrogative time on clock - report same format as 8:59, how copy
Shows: 2:12
